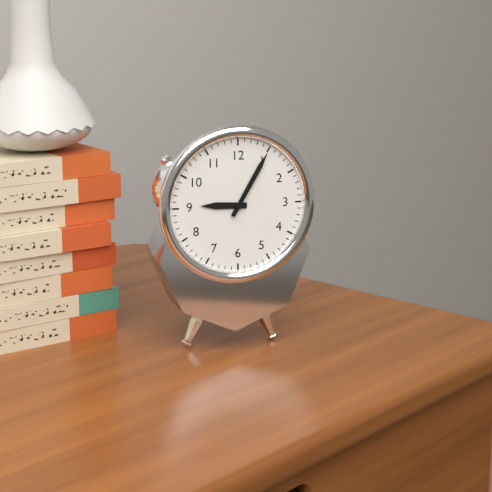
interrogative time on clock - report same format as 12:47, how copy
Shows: 9:05
